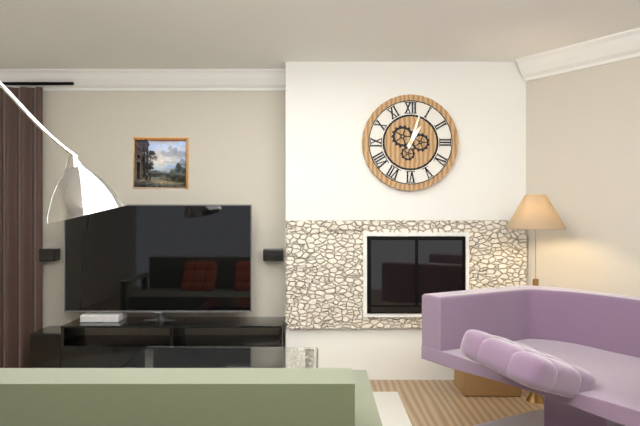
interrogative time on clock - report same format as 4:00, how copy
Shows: 1:03
